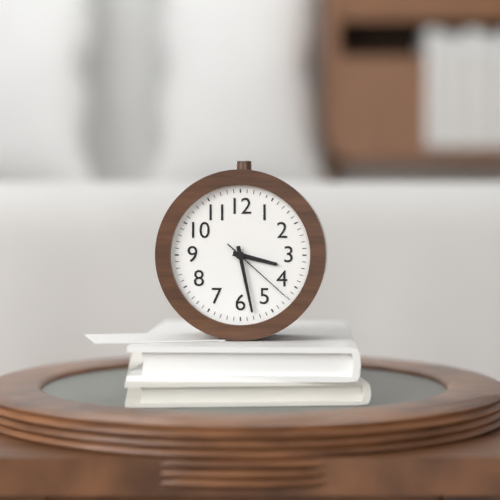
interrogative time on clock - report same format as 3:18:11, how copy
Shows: 3:28:22
